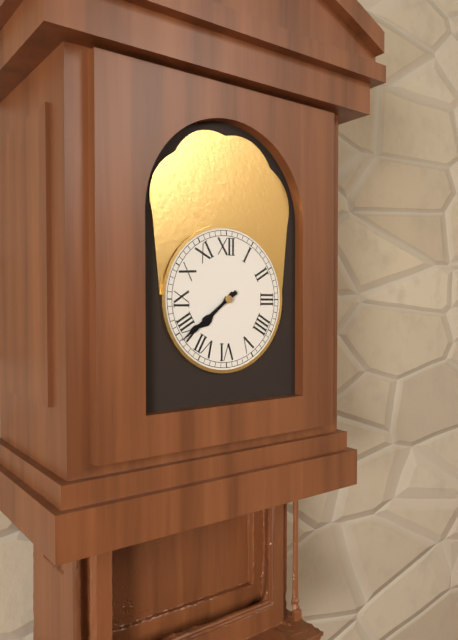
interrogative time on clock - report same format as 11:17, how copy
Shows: 7:39
